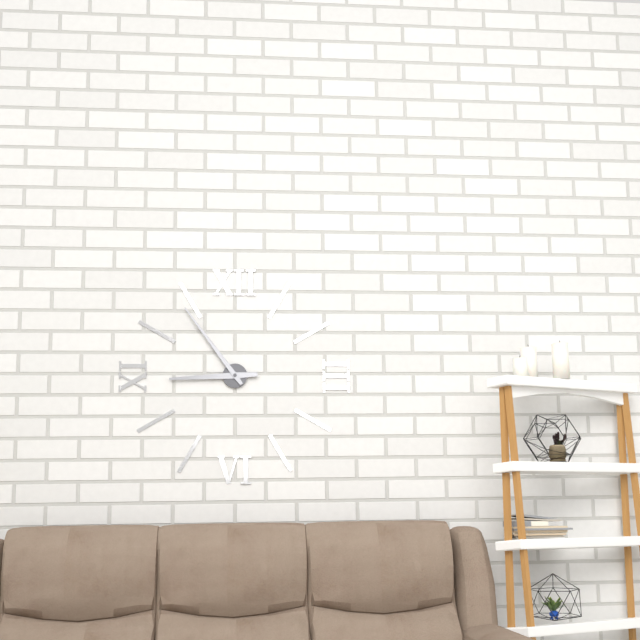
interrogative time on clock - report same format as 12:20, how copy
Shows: 8:54
